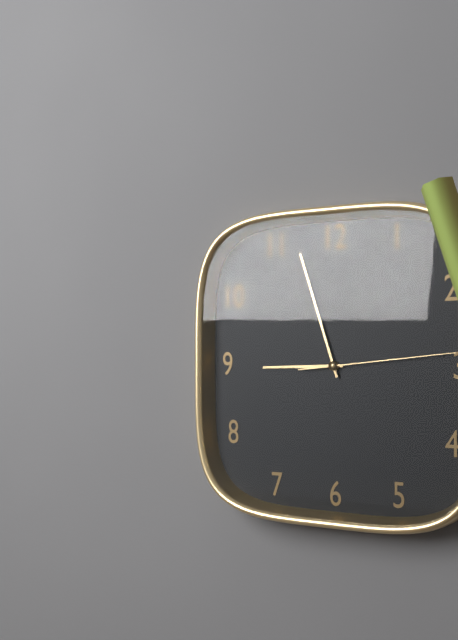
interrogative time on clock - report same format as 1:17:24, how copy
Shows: 8:57:14
